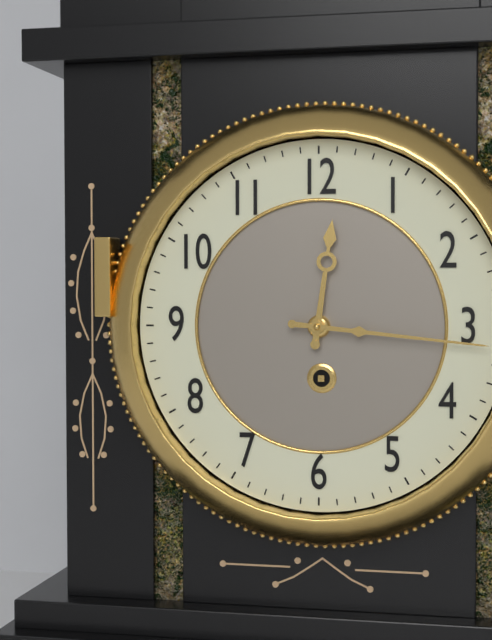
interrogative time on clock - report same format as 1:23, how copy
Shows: 12:16
